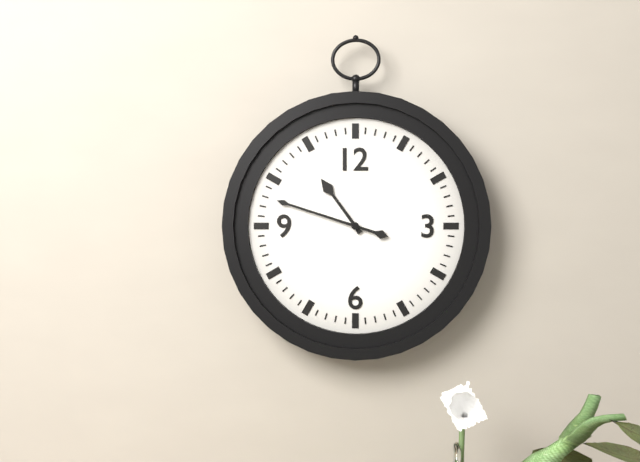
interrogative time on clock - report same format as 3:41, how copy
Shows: 10:48
